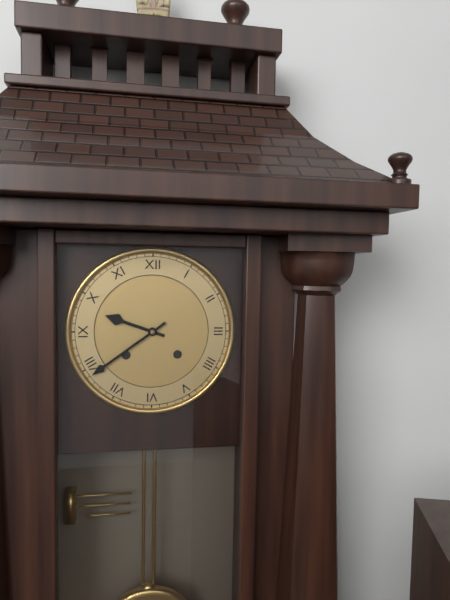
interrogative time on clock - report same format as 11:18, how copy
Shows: 9:39
